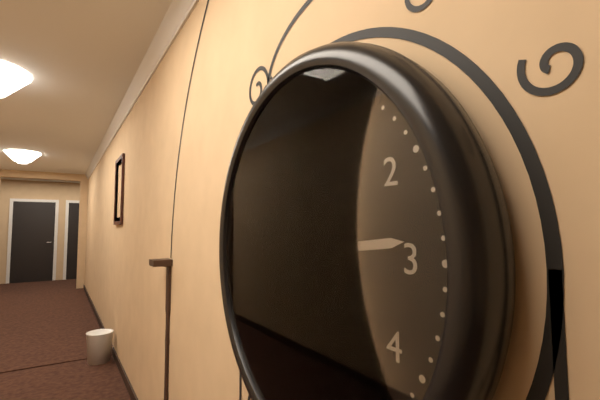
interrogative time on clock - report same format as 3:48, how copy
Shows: 12:14
